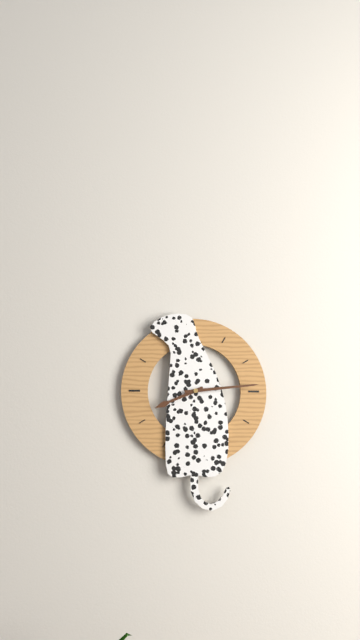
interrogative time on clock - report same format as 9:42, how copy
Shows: 8:14
